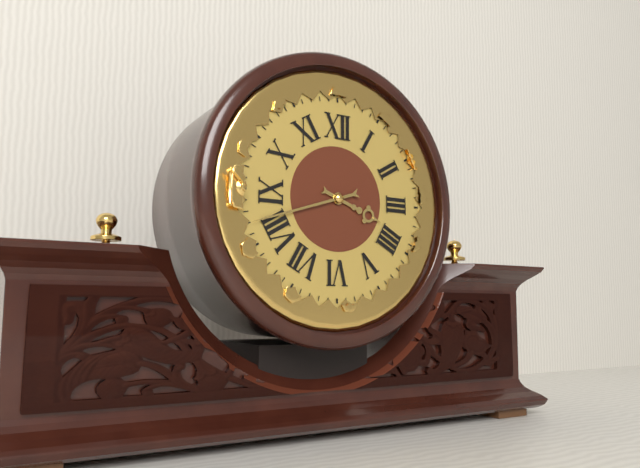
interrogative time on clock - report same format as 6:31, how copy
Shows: 3:42
